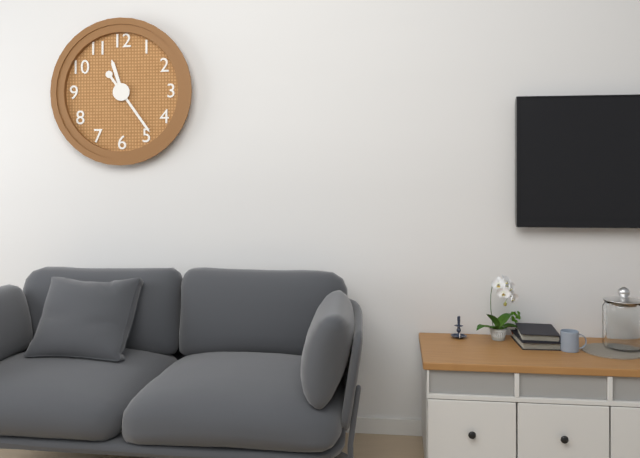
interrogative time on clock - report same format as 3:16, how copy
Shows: 11:24
